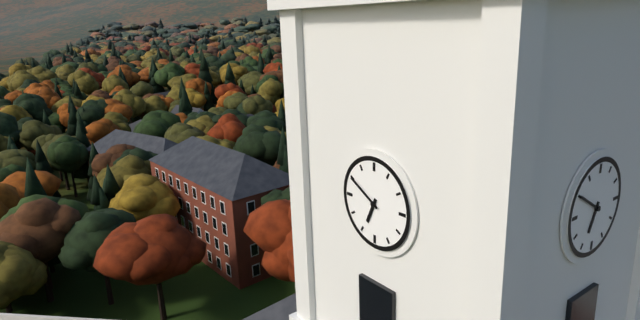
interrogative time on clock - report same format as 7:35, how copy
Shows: 6:50
